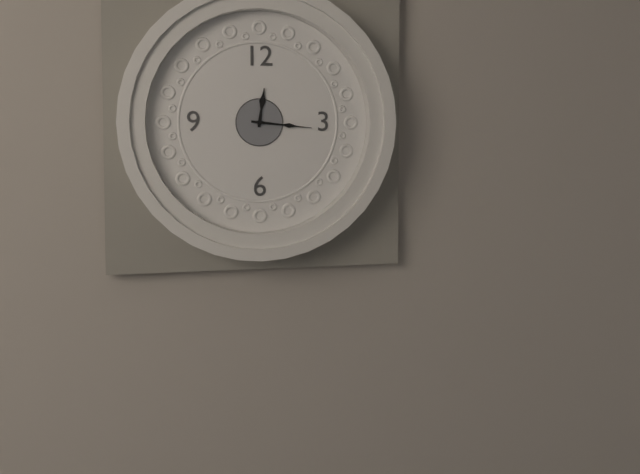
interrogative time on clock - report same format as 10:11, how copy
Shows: 12:16
